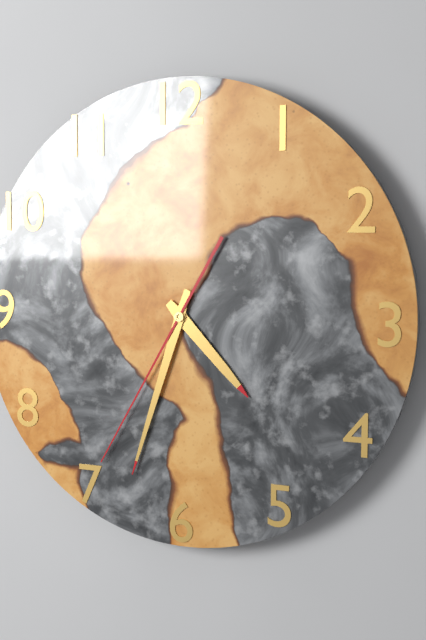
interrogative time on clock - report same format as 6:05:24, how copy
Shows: 4:33:35
